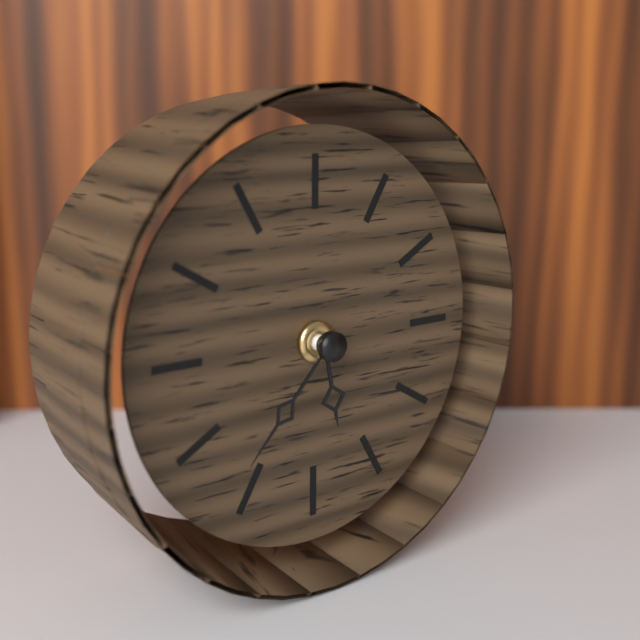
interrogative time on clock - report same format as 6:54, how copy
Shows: 5:37
